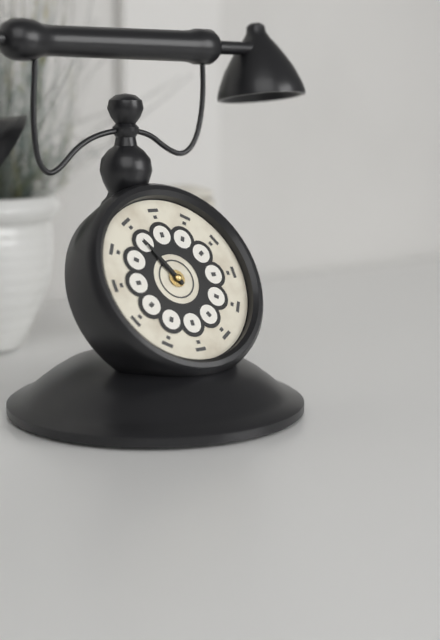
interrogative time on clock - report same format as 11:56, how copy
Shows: 10:55
